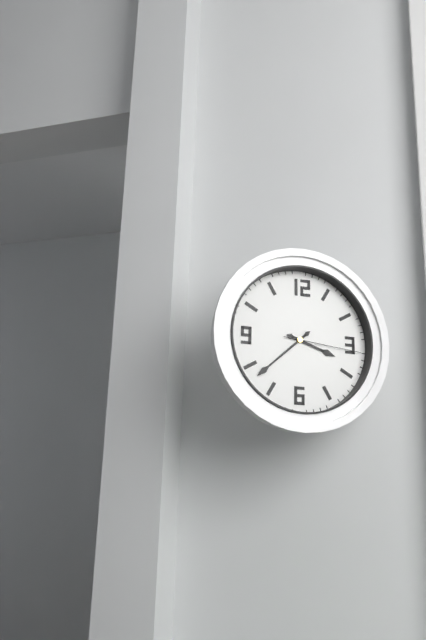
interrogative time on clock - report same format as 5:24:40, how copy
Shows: 3:38:16
